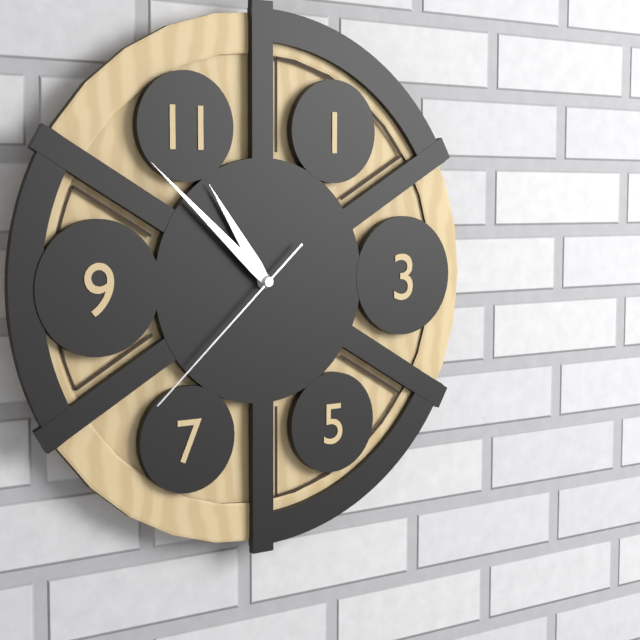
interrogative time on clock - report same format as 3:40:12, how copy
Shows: 10:52:38
